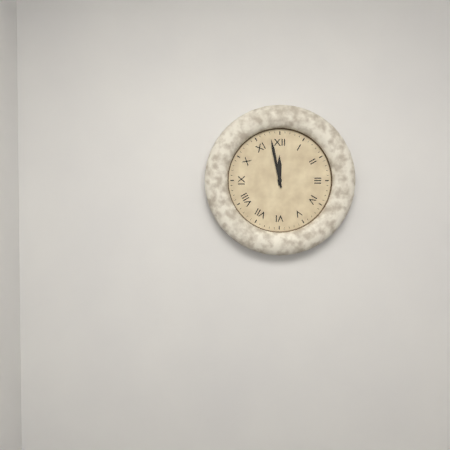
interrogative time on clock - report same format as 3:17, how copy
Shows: 11:58
